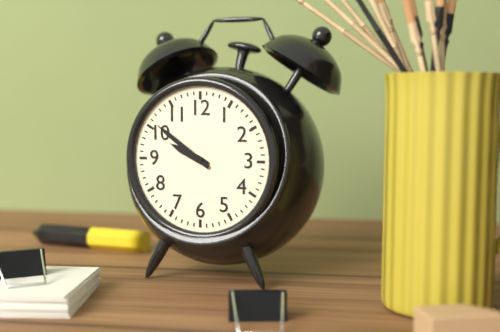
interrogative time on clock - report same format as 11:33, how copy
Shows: 9:51
